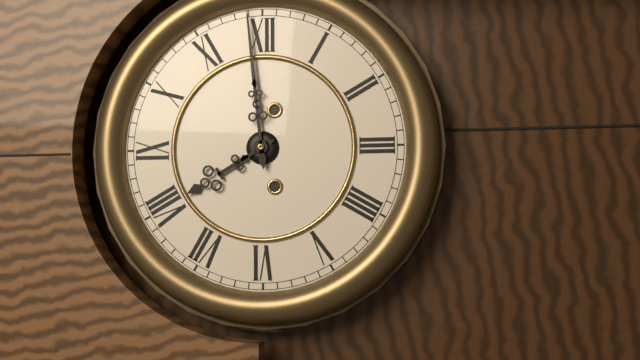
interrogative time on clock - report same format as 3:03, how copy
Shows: 7:59
